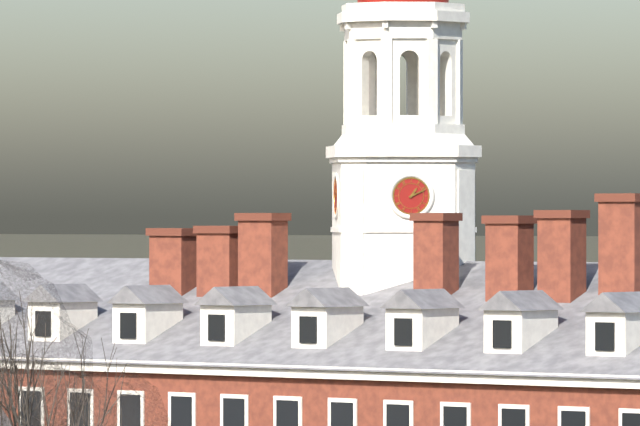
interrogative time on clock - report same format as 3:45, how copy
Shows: 1:11
